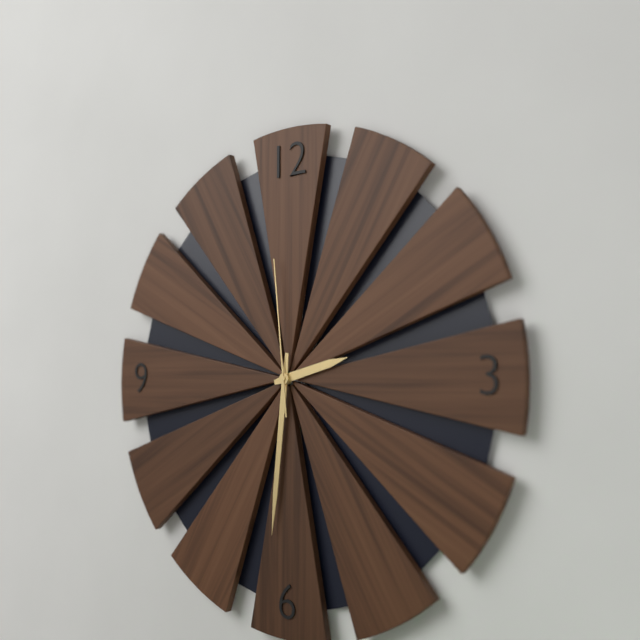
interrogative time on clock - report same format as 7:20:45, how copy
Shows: 2:31:59
